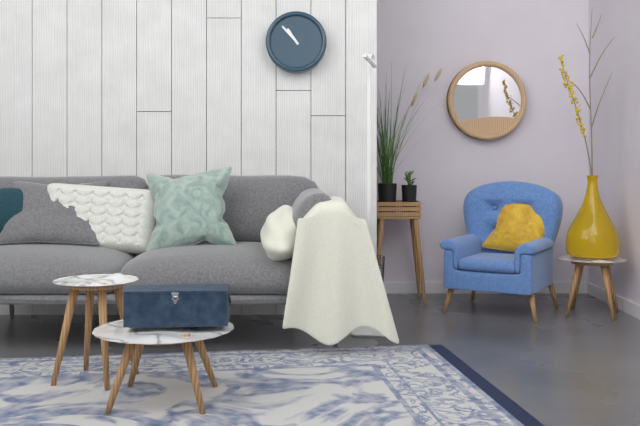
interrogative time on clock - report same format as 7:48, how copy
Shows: 10:53
